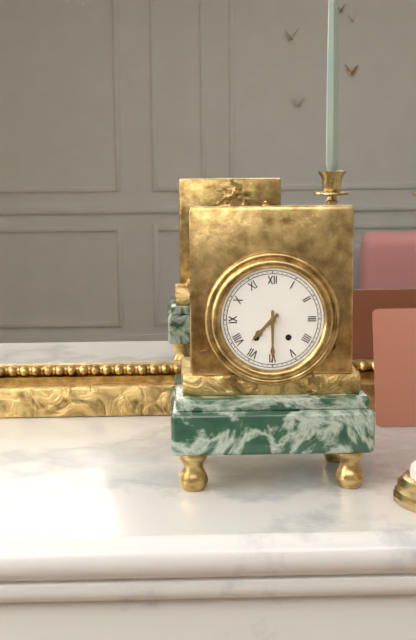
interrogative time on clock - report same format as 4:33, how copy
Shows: 7:30
